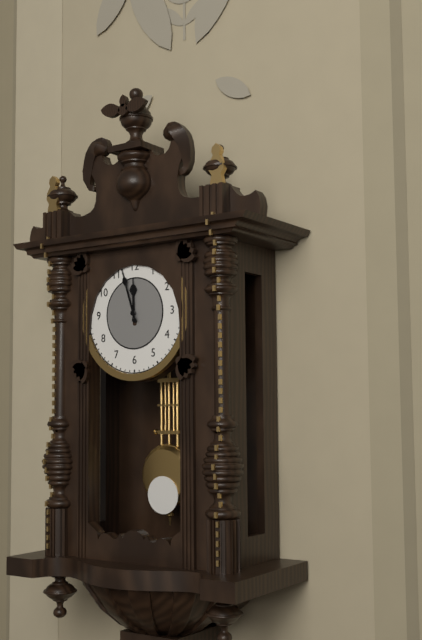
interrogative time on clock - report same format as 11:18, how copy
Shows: 11:57
